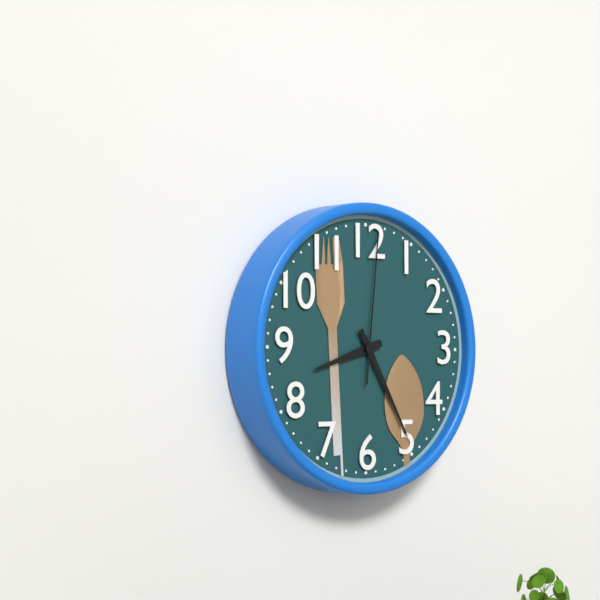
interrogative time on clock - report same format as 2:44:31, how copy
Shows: 8:25:01
